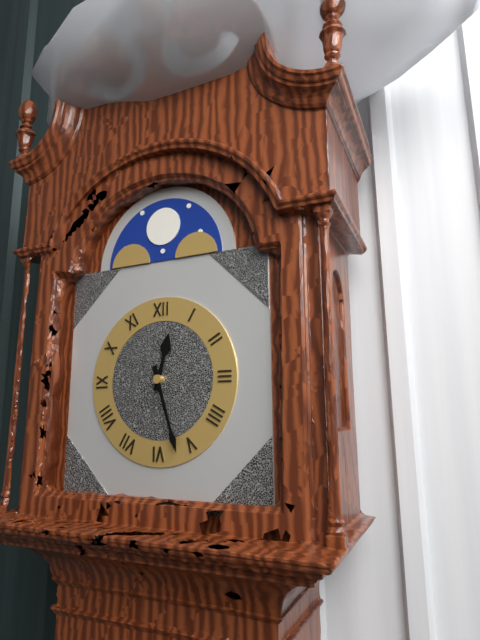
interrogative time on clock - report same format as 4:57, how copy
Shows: 12:27
